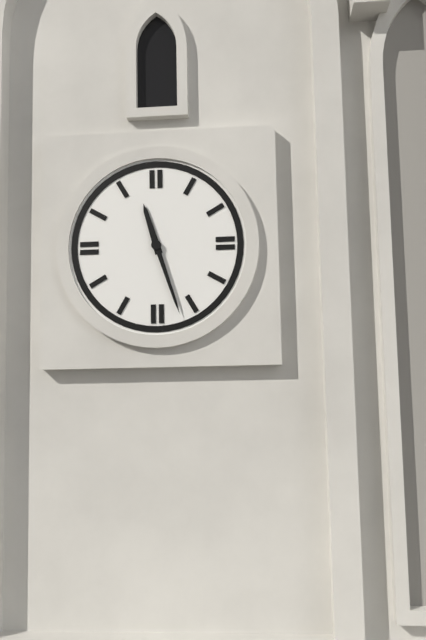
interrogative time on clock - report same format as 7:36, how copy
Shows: 11:27
